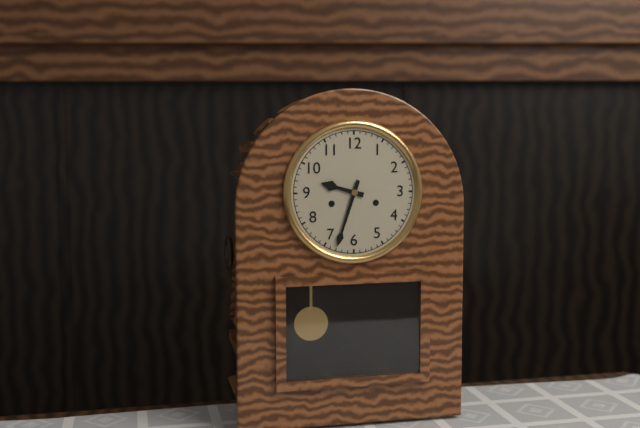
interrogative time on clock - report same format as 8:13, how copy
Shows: 9:33
